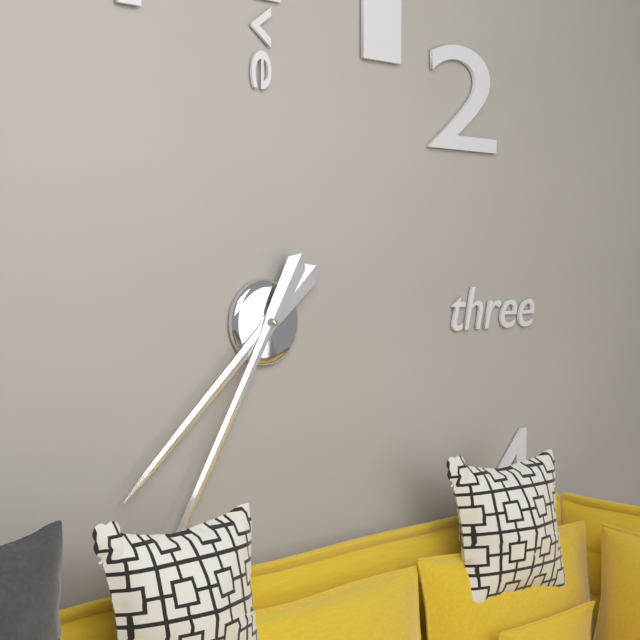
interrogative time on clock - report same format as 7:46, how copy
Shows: 7:35
